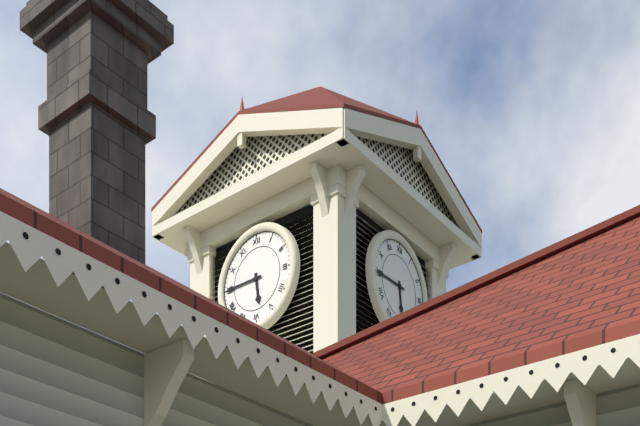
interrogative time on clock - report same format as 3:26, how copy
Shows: 5:45
